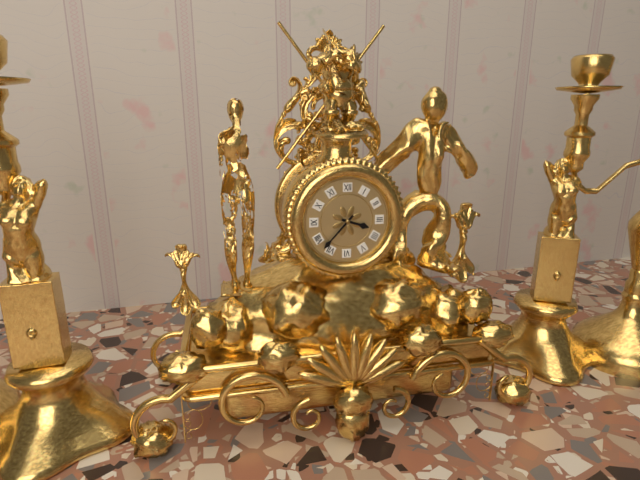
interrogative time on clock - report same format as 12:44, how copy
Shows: 3:37
